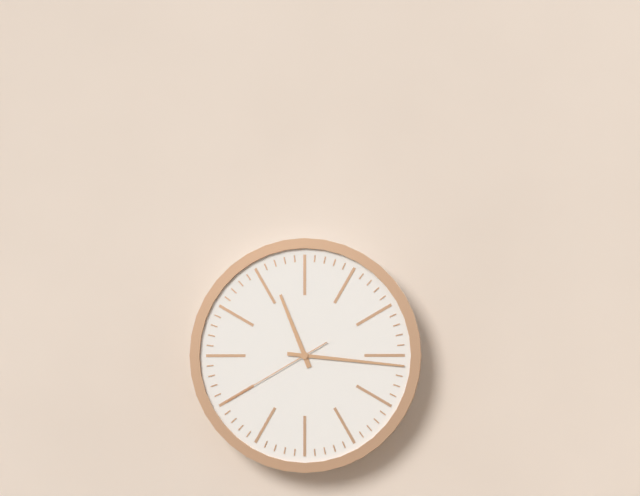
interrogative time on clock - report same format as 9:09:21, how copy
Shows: 11:16:40
